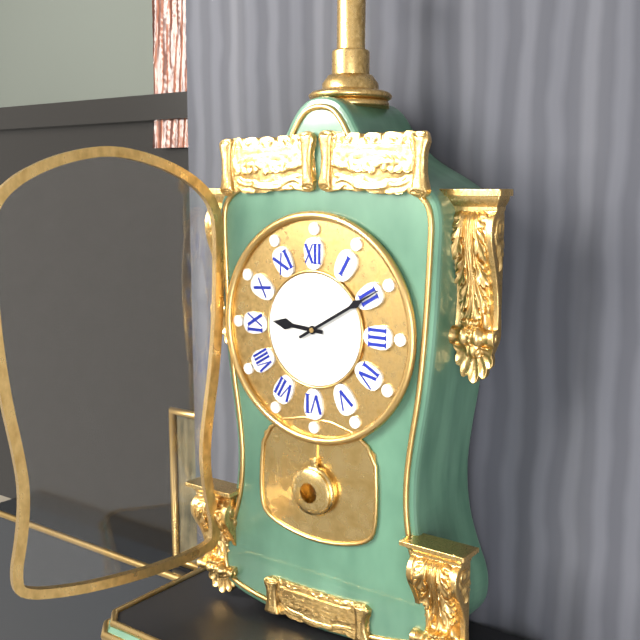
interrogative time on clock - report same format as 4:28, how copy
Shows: 9:10
